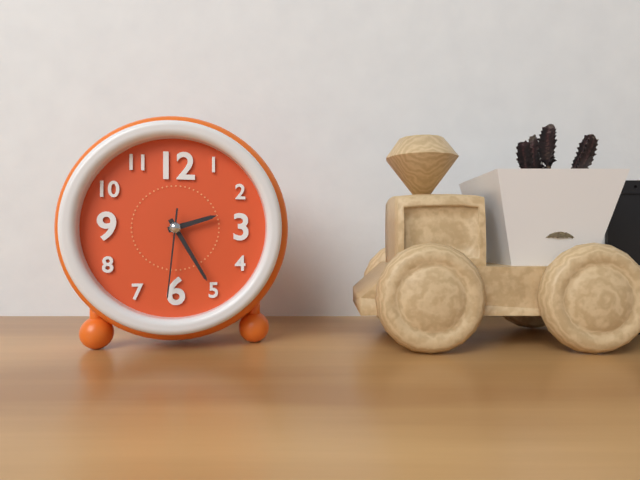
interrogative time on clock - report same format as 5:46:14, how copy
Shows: 2:25:31
